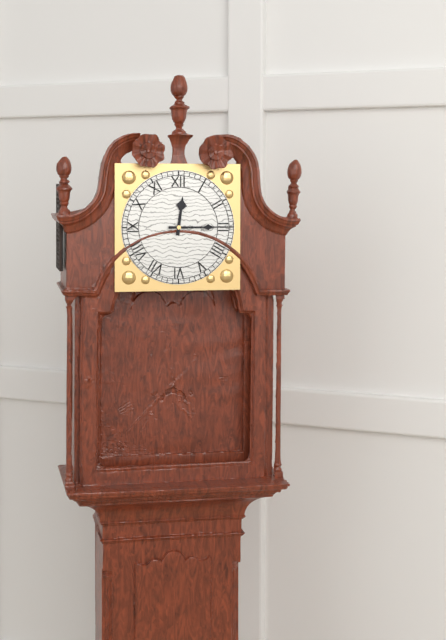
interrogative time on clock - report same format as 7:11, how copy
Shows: 12:15
